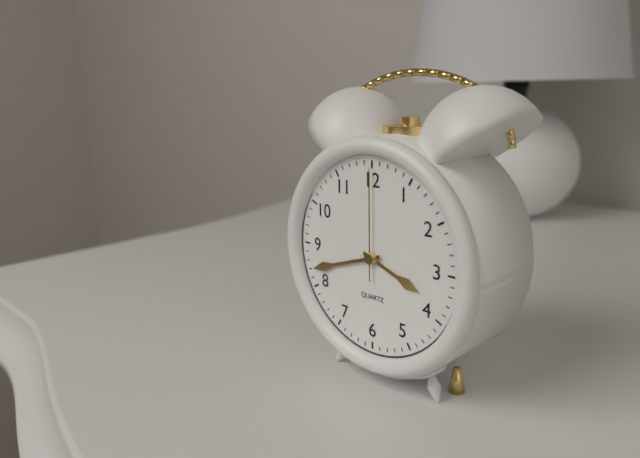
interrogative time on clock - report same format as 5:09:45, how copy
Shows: 3:42:00
